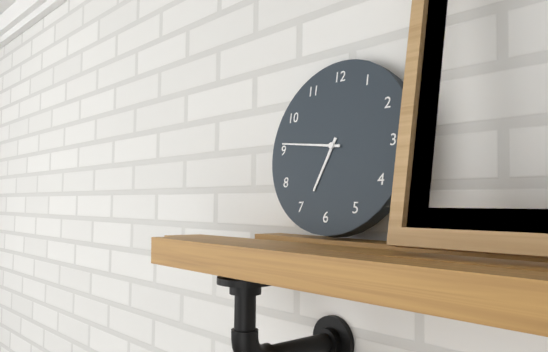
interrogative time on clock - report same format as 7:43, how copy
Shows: 6:46
